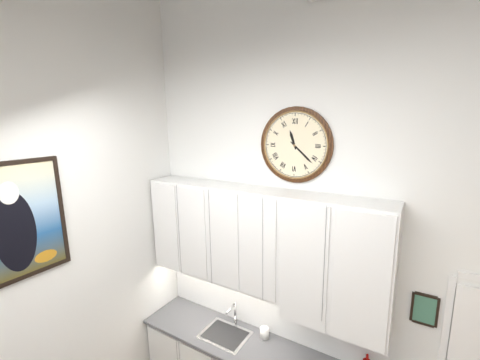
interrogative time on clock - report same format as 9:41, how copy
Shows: 11:22
